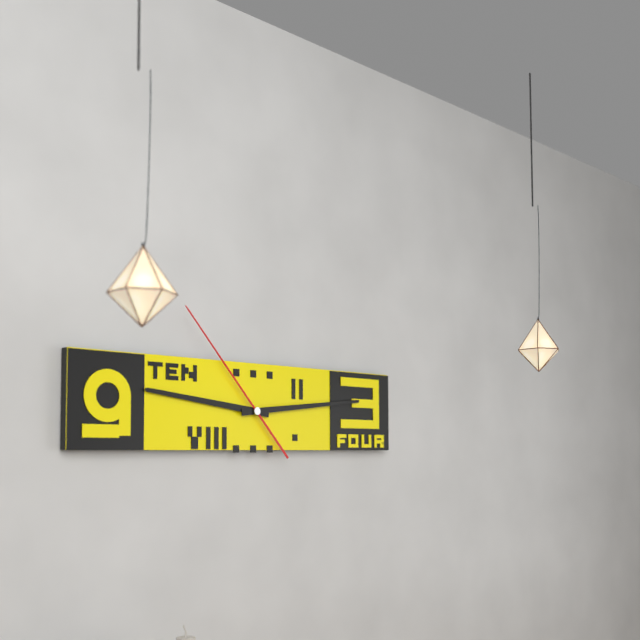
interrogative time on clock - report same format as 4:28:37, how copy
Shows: 9:14:53
